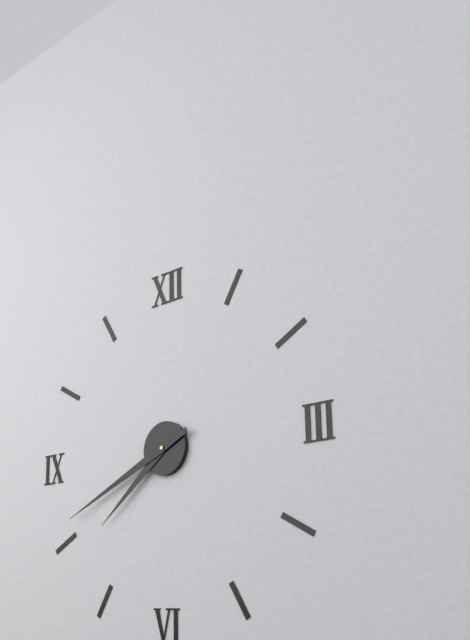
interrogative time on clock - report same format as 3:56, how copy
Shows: 7:41
